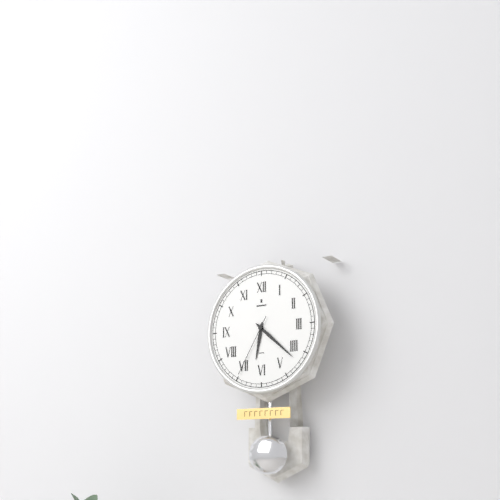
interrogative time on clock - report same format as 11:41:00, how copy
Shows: 6:22:35
